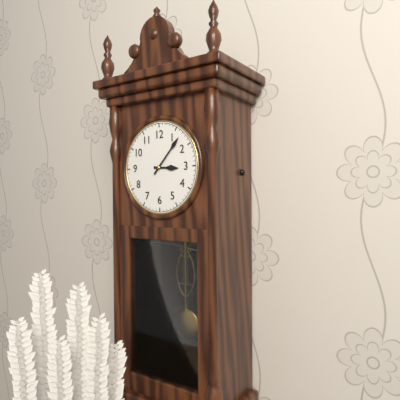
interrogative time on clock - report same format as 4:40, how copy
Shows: 3:07
